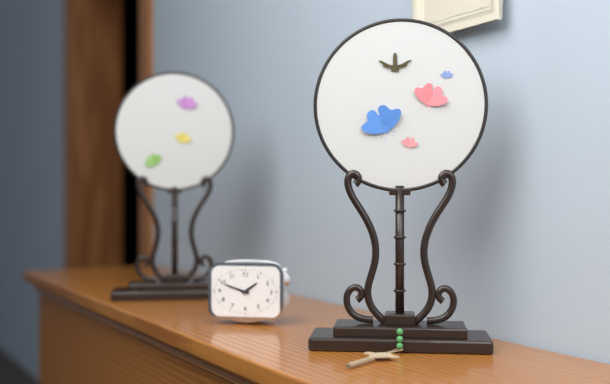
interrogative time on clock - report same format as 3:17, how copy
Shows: 1:48
